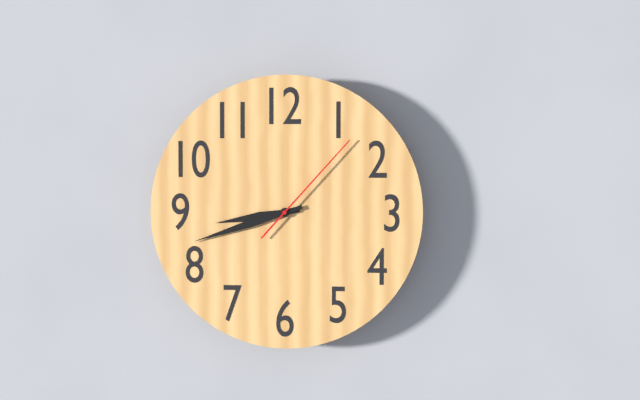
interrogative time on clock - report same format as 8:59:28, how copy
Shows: 8:42:07
